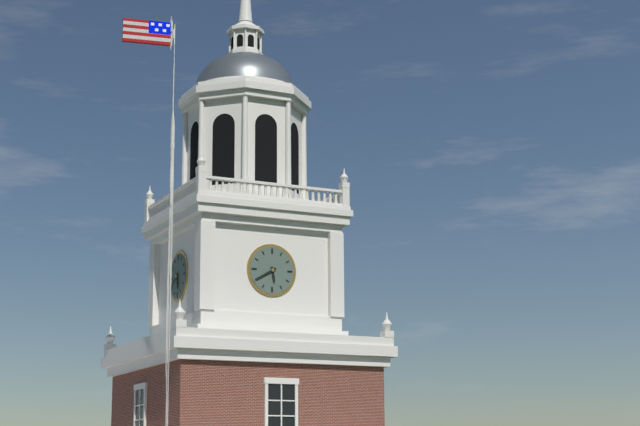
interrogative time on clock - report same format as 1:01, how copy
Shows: 5:40
